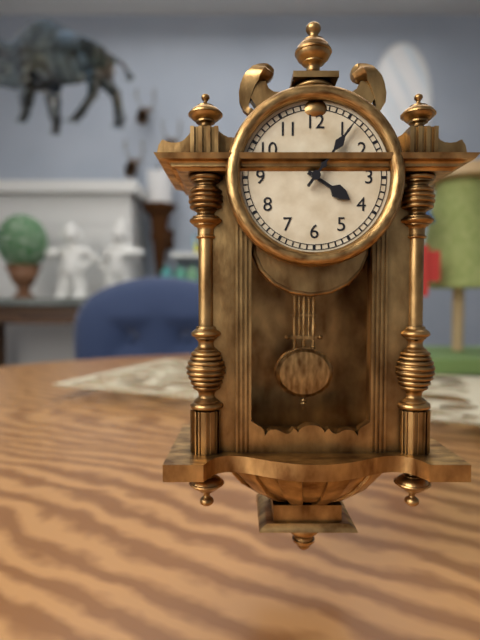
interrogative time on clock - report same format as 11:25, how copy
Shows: 4:06
